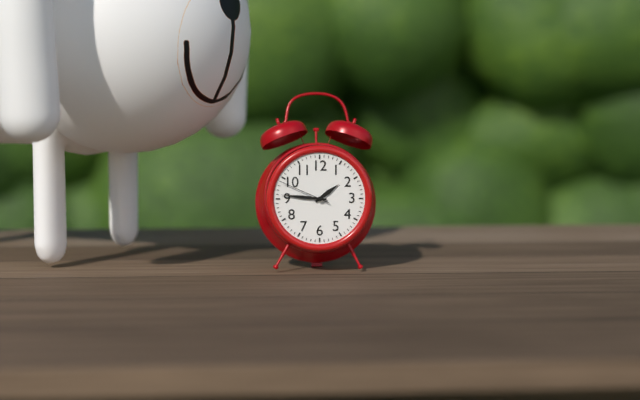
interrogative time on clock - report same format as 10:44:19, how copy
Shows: 1:46:49
